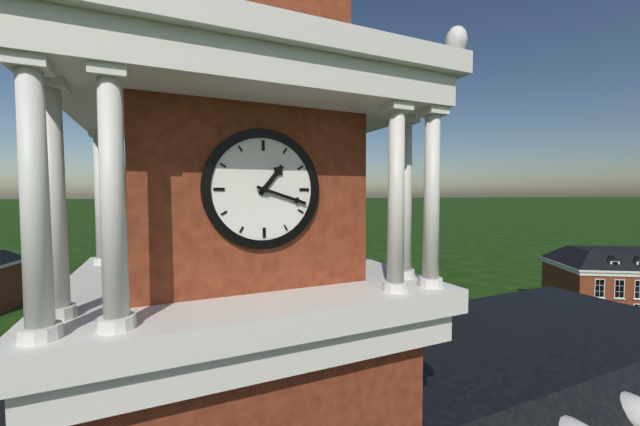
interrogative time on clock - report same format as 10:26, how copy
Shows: 1:18
